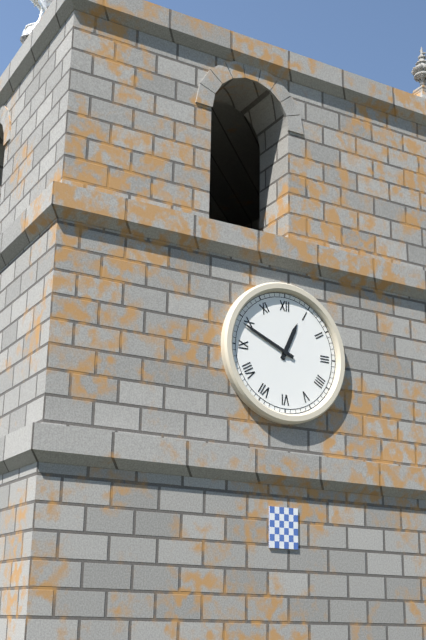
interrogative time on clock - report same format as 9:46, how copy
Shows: 12:49
